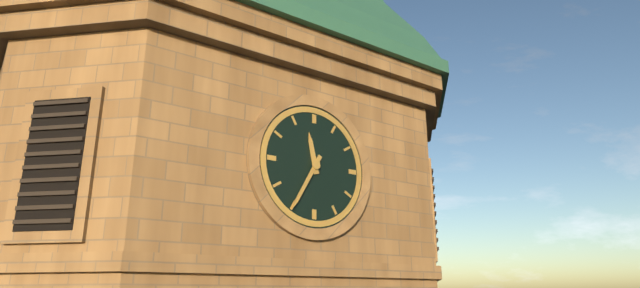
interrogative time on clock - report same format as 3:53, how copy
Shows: 11:35
